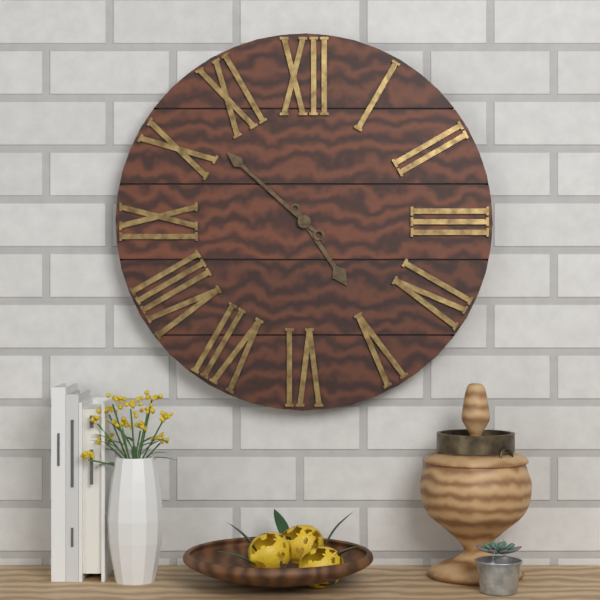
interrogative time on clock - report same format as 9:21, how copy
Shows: 4:52
